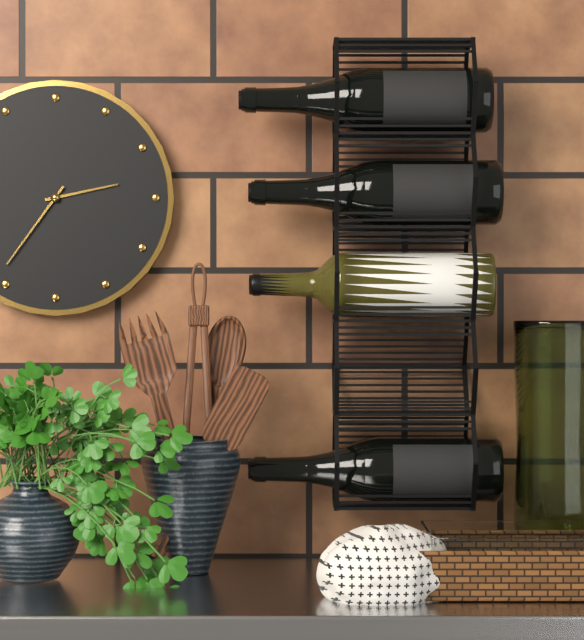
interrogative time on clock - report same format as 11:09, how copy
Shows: 2:36
